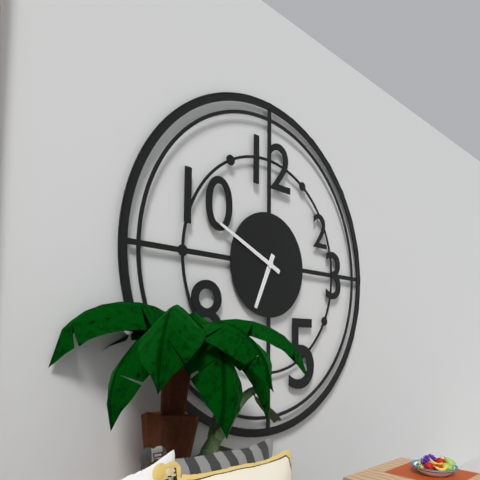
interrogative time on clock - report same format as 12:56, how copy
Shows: 6:49
